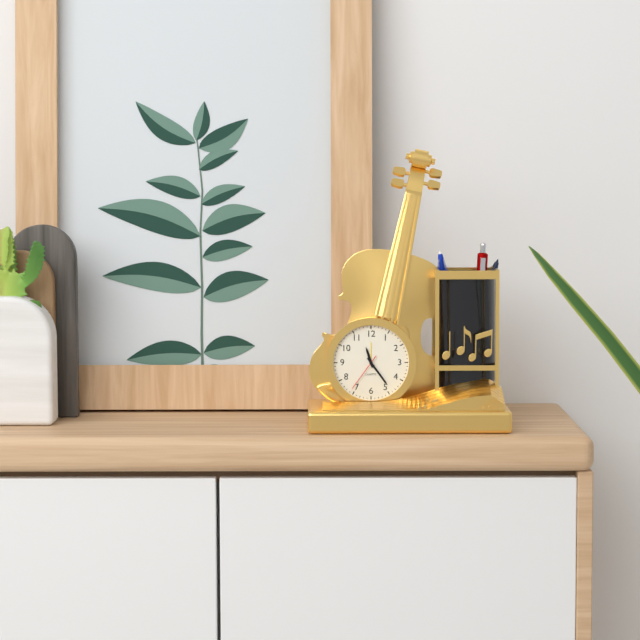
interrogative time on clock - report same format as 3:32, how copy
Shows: 11:24
